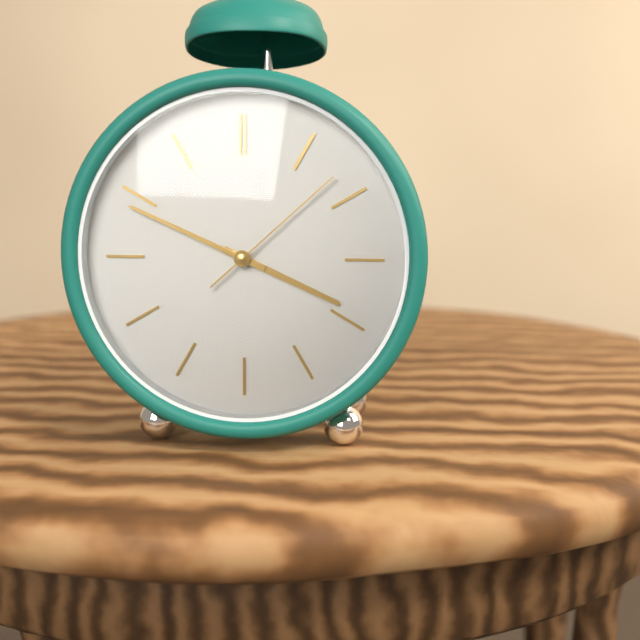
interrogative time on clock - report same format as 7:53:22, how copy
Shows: 3:49:08
